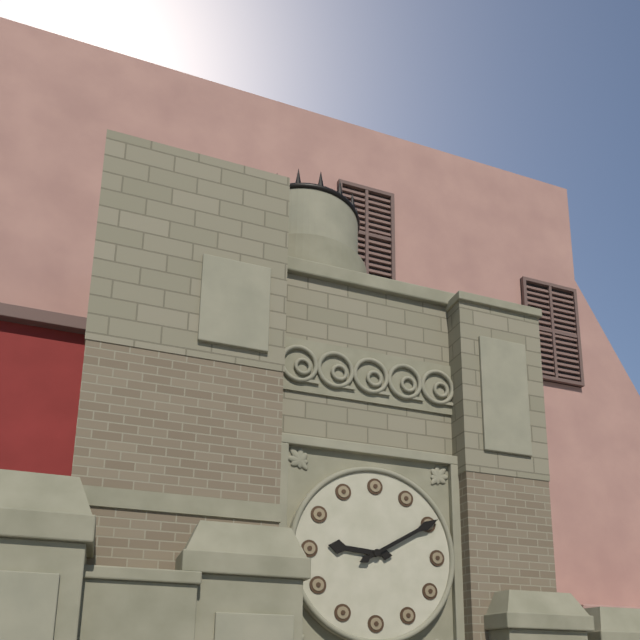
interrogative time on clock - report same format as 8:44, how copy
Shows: 9:10
